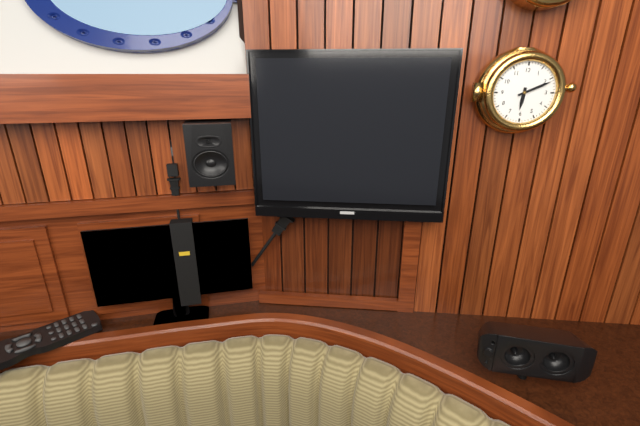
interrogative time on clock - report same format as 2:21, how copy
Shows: 6:11
